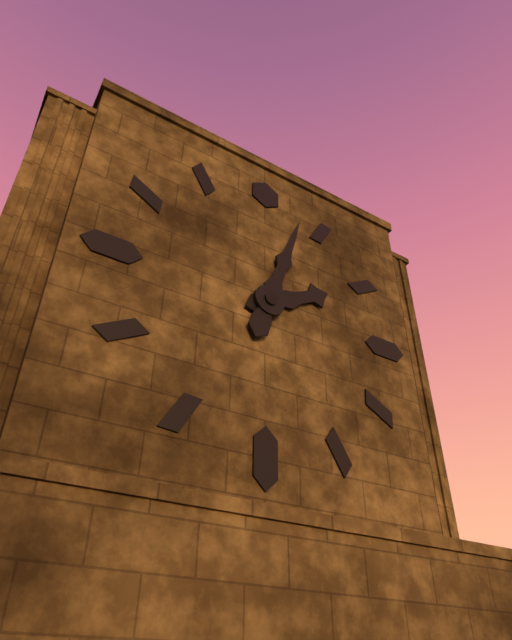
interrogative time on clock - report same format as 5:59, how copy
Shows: 2:03
